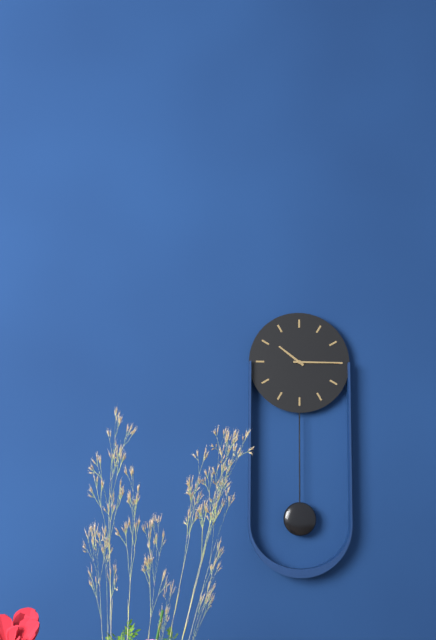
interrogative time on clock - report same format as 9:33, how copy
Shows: 10:15
